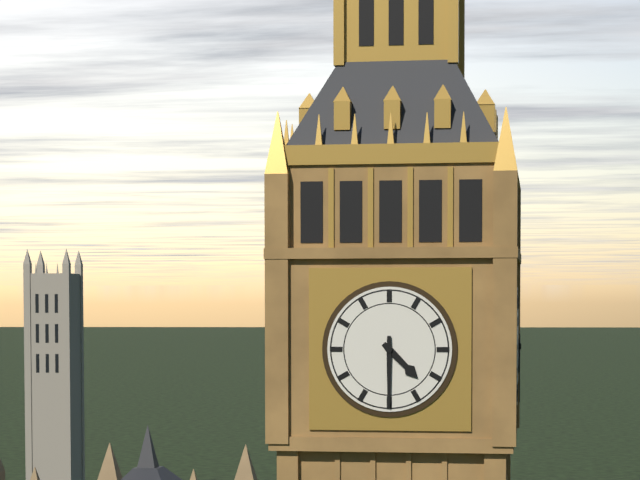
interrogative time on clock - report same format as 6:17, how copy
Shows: 4:30
